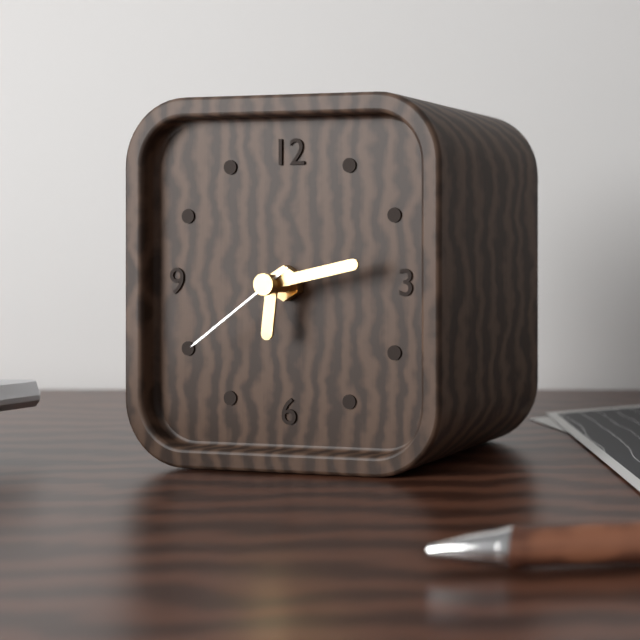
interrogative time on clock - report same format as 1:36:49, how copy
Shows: 6:13:39
